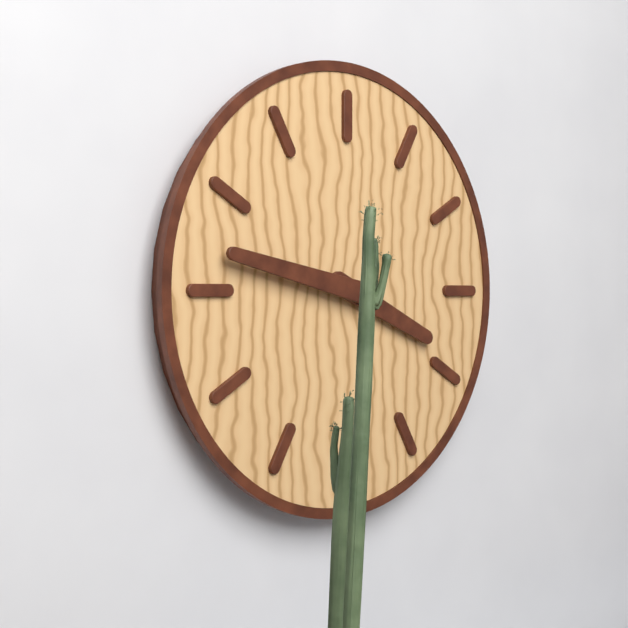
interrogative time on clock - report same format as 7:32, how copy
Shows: 3:47
